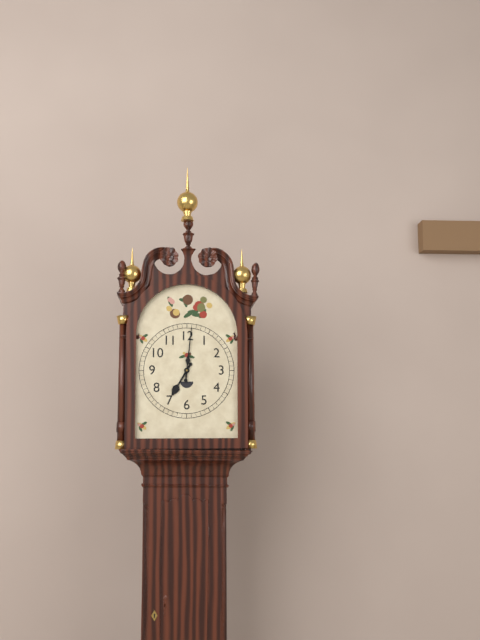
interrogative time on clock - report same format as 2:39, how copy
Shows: 7:01
